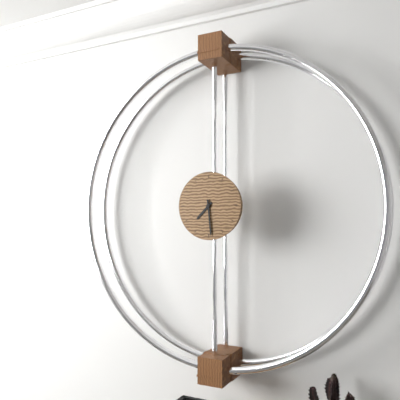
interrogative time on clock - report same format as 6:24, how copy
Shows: 7:29
